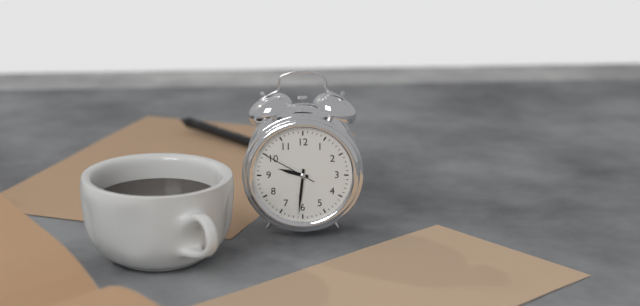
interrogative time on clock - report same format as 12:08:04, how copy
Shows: 9:31:50
